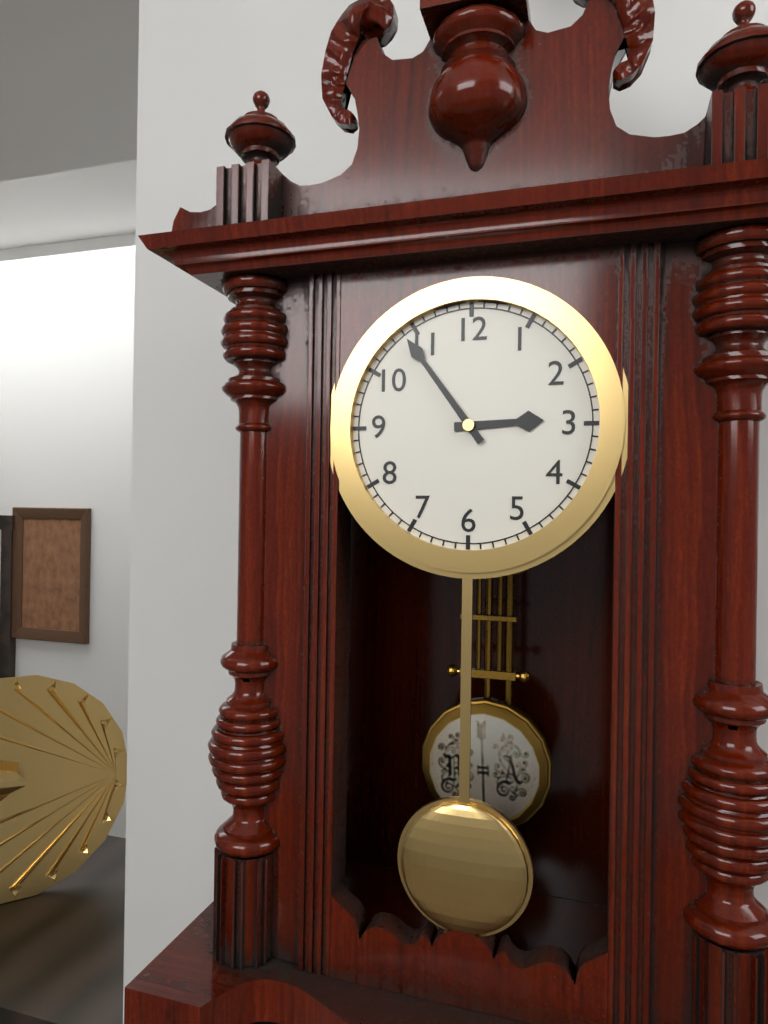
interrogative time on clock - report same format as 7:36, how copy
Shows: 2:54
